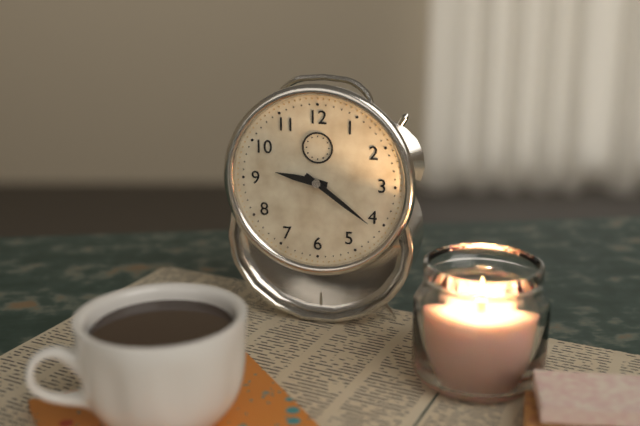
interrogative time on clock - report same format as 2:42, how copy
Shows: 9:21
